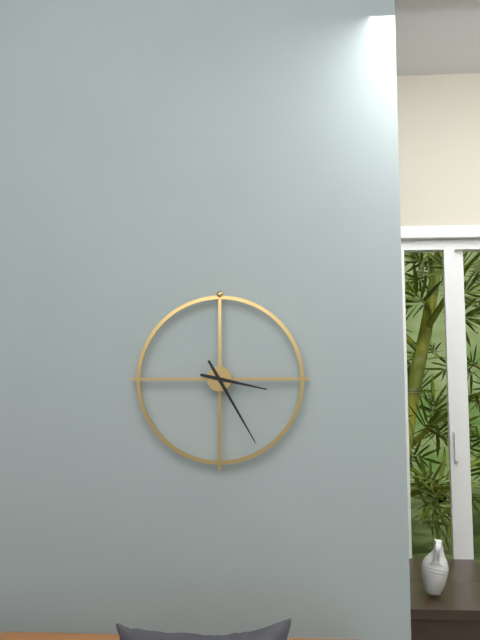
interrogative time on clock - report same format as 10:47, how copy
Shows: 3:25
